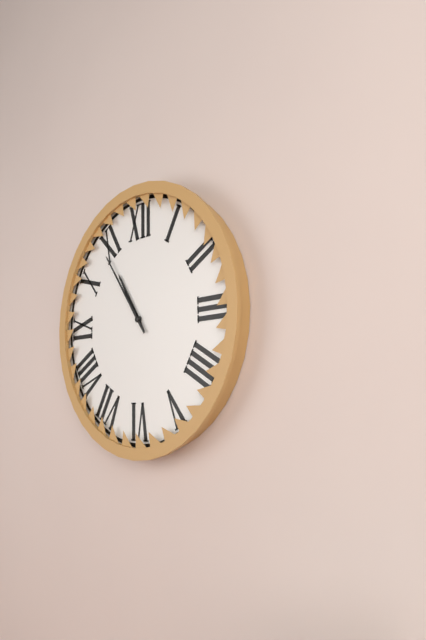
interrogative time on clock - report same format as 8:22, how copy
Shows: 10:54
